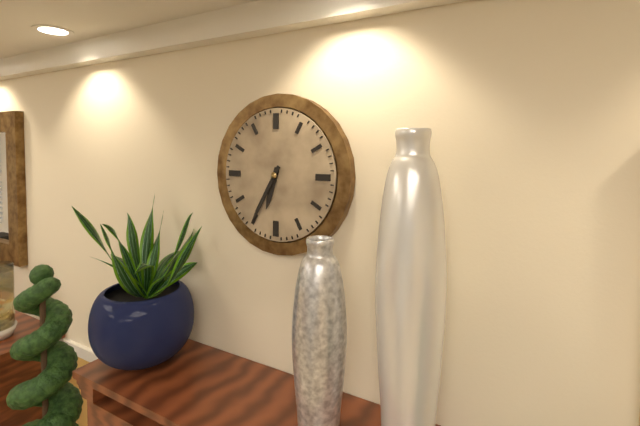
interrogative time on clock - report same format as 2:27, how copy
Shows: 6:35
